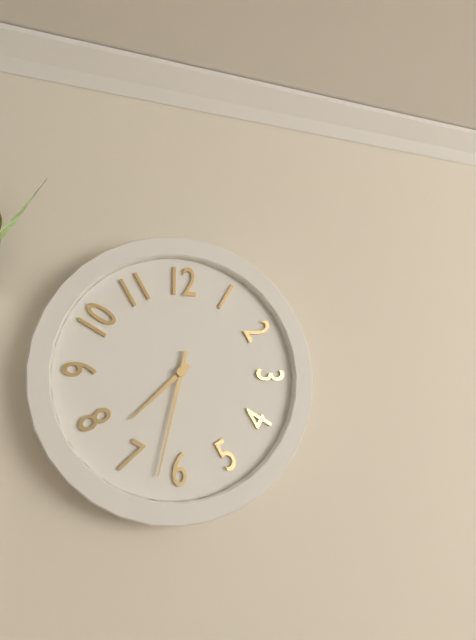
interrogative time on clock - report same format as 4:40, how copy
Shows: 7:32
